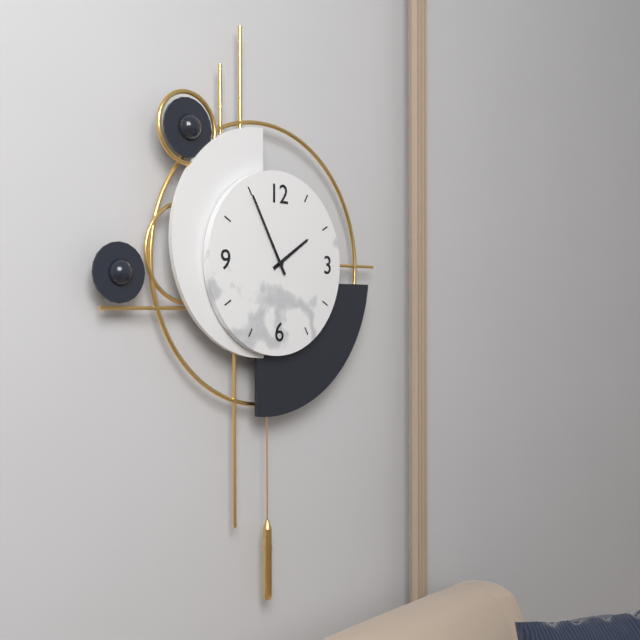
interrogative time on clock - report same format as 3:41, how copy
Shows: 1:55
